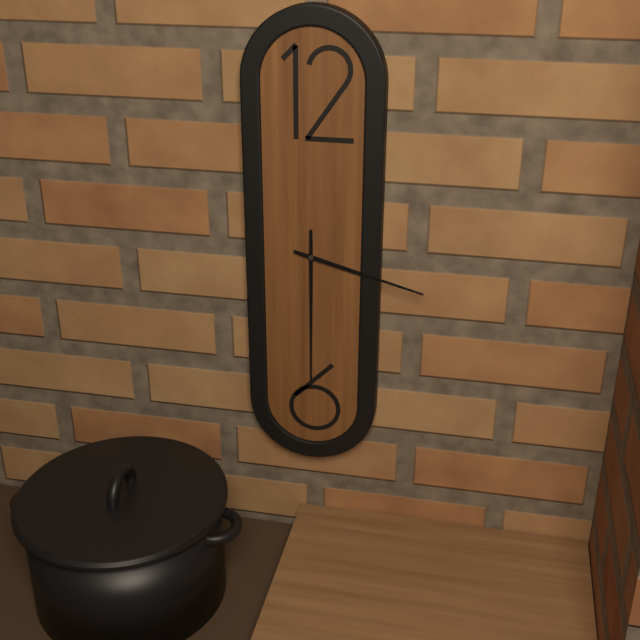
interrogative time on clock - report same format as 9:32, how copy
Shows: 3:30
